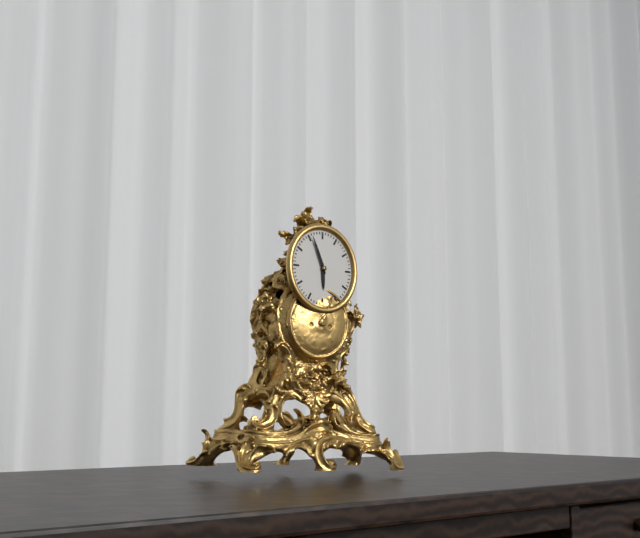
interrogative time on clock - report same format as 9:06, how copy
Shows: 5:56
